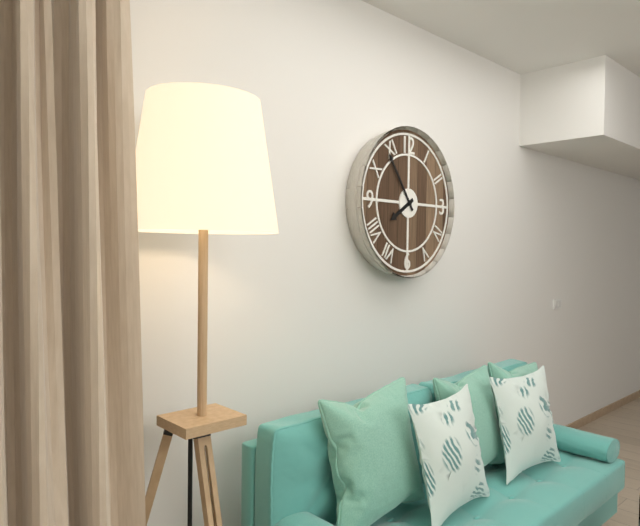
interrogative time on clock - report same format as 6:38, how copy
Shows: 7:54
